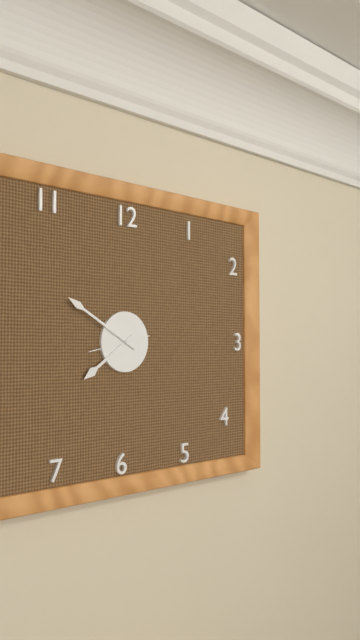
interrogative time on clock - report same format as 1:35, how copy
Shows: 7:50
